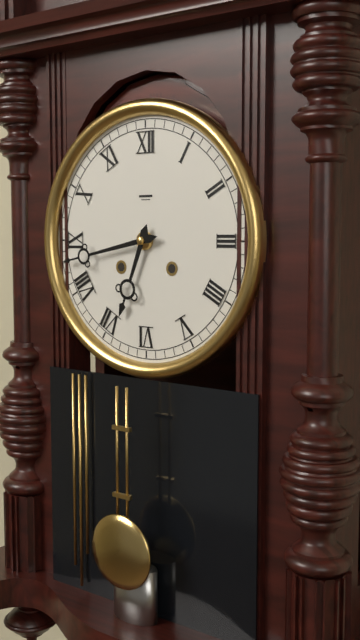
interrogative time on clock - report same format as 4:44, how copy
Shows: 6:43
